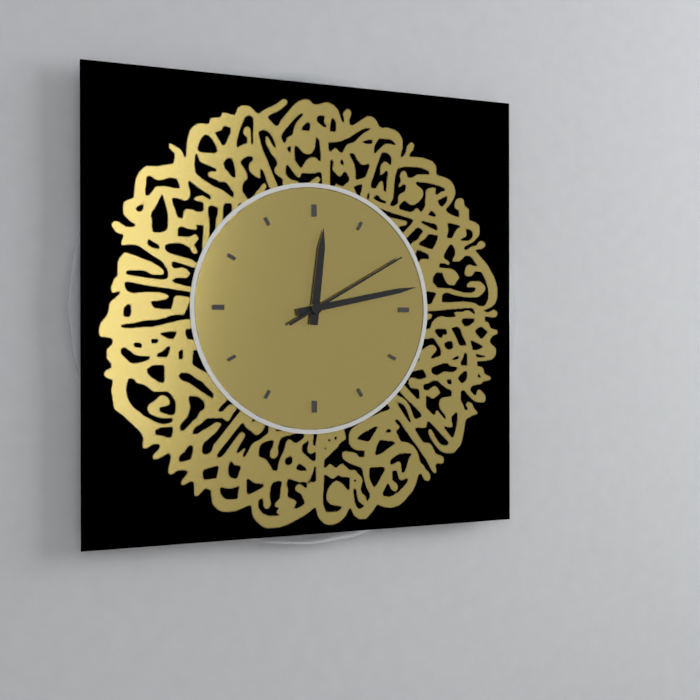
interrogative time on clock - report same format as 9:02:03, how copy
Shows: 12:13:10
